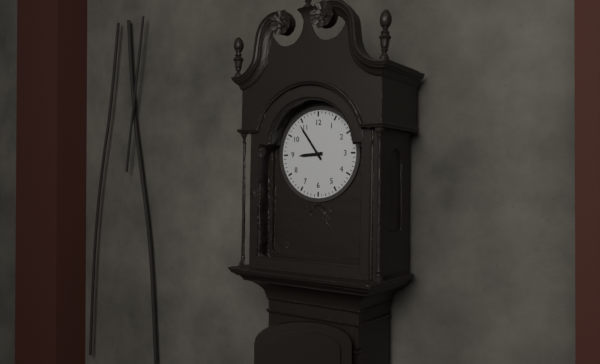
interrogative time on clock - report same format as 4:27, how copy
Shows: 8:54
